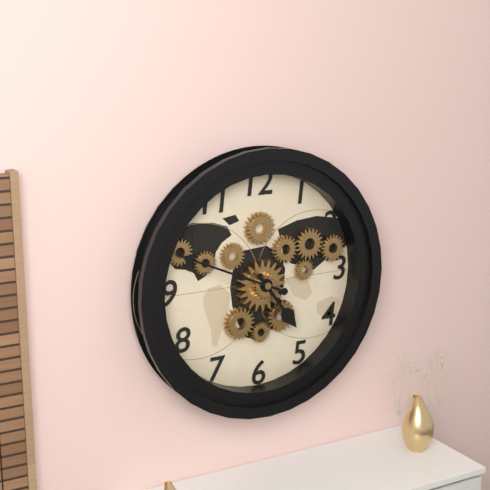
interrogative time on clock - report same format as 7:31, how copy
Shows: 4:49
